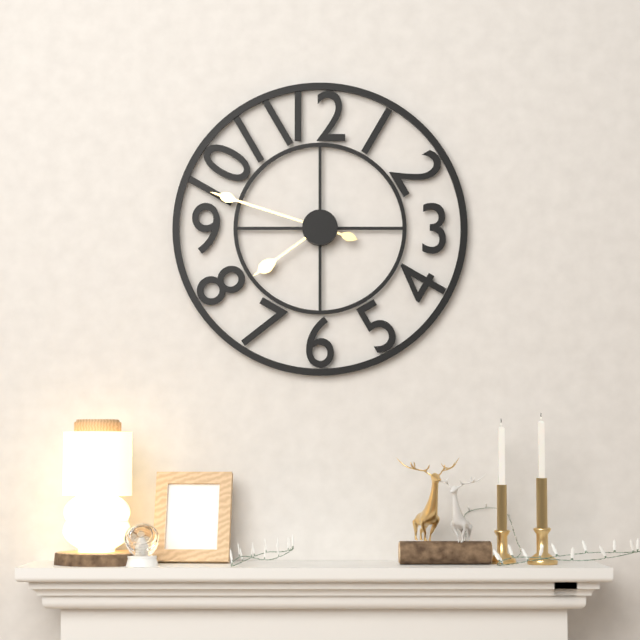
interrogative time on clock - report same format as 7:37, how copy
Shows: 7:48
